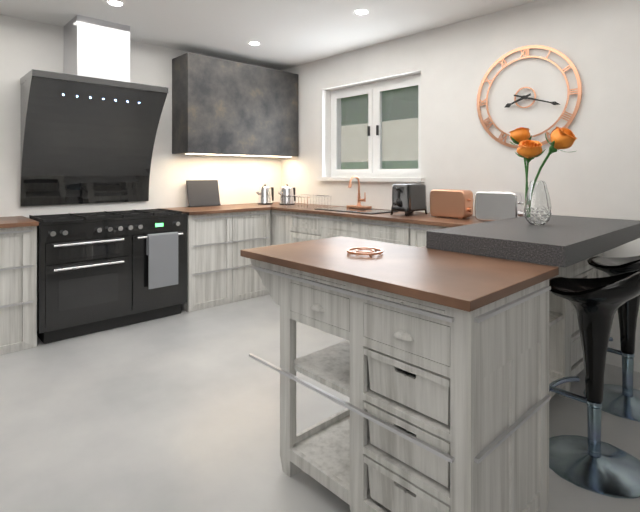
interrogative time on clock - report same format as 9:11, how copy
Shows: 8:18
